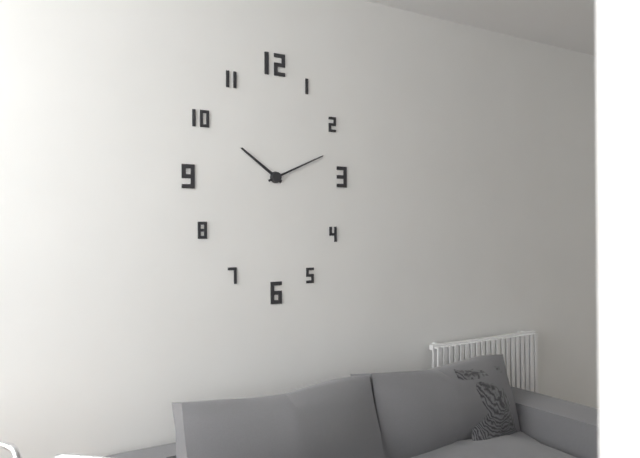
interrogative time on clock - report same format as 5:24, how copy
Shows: 10:11
